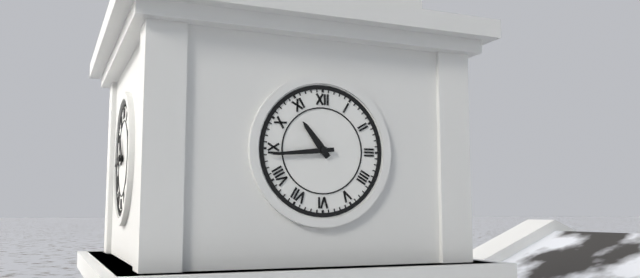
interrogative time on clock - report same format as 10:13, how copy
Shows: 10:44
